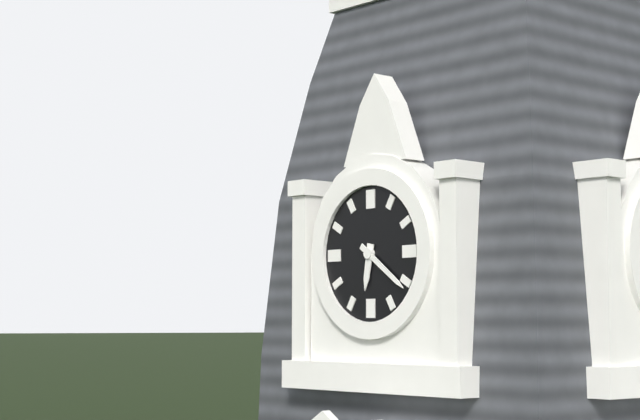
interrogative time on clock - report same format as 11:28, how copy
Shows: 6:21
